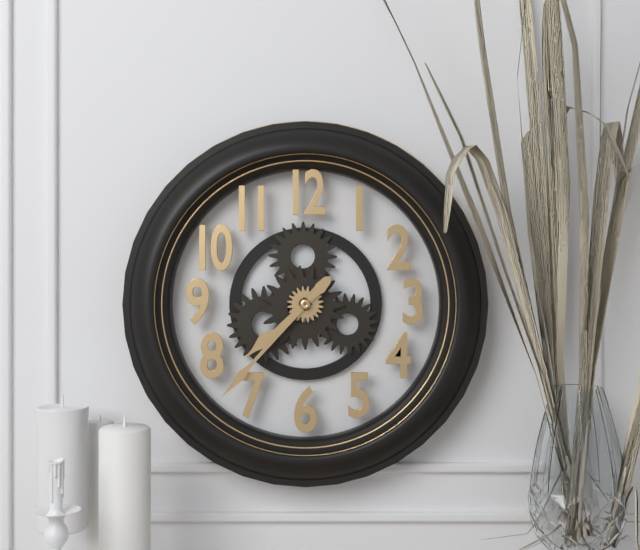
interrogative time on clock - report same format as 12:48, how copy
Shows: 7:37
